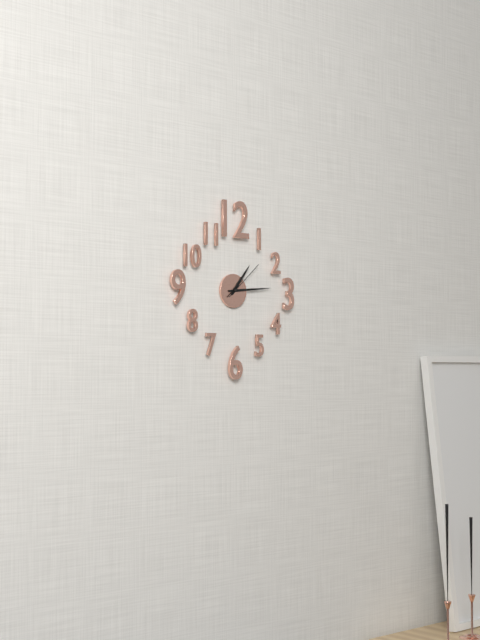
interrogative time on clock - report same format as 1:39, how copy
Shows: 1:14
